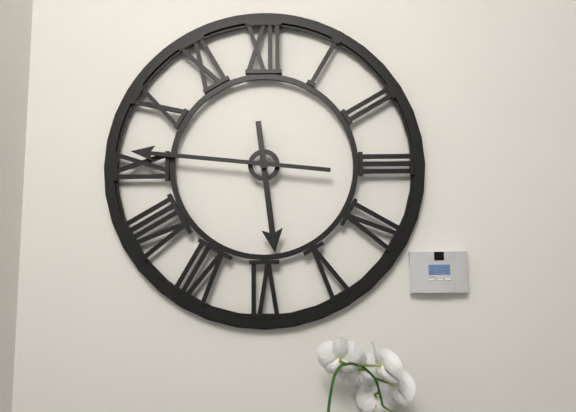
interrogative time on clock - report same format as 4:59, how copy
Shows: 5:46
